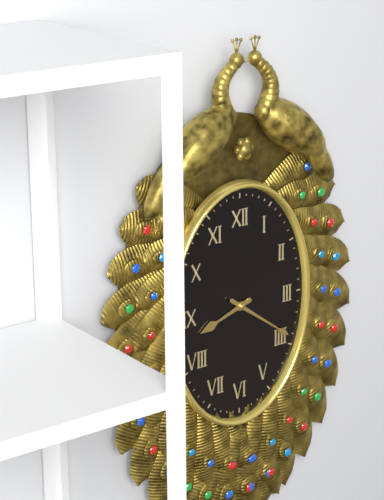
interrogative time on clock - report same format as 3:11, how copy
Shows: 8:21
